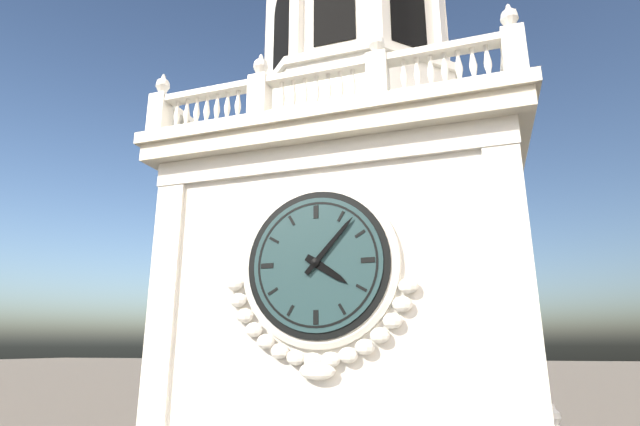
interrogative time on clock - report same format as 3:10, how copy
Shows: 4:07
